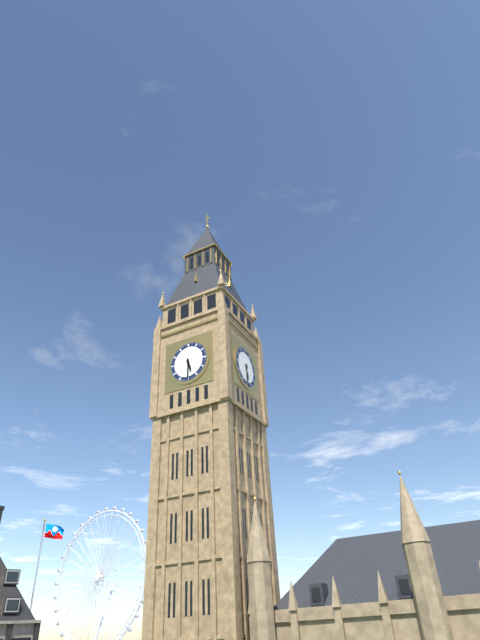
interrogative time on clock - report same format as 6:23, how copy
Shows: 5:30
